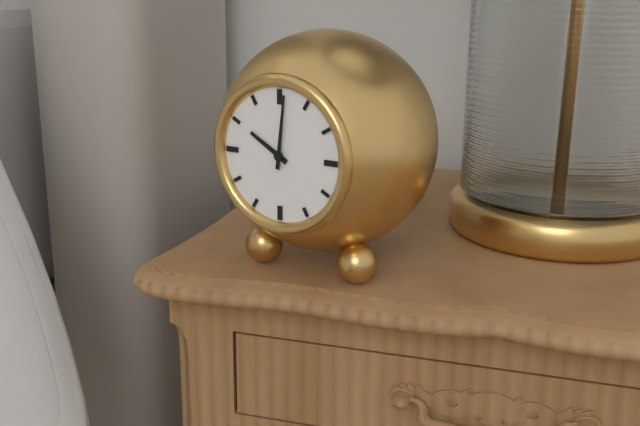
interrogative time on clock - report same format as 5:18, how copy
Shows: 10:01
